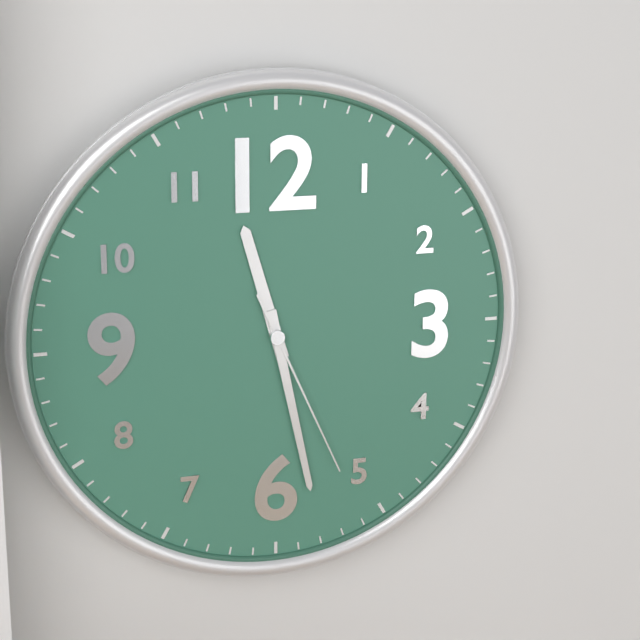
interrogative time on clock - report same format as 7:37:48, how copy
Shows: 11:28:26
